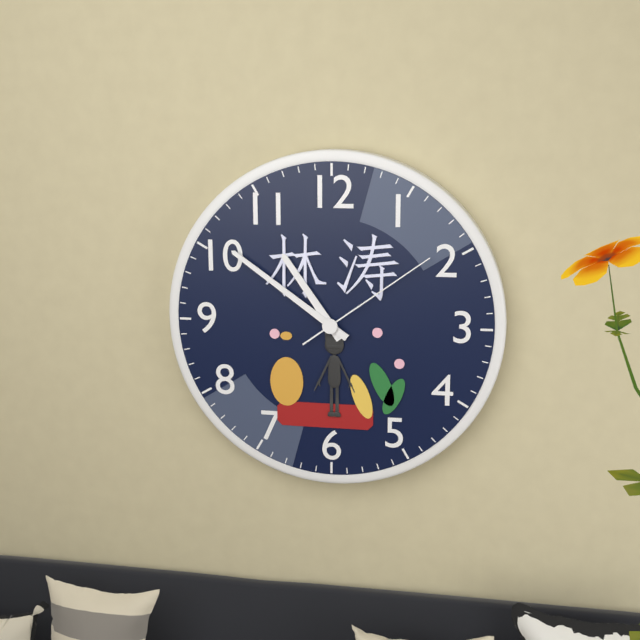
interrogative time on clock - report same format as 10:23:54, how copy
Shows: 10:51:09
